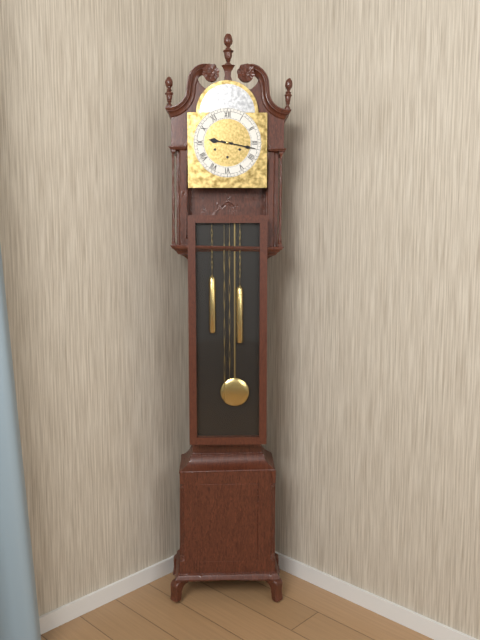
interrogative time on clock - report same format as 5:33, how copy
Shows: 9:17
